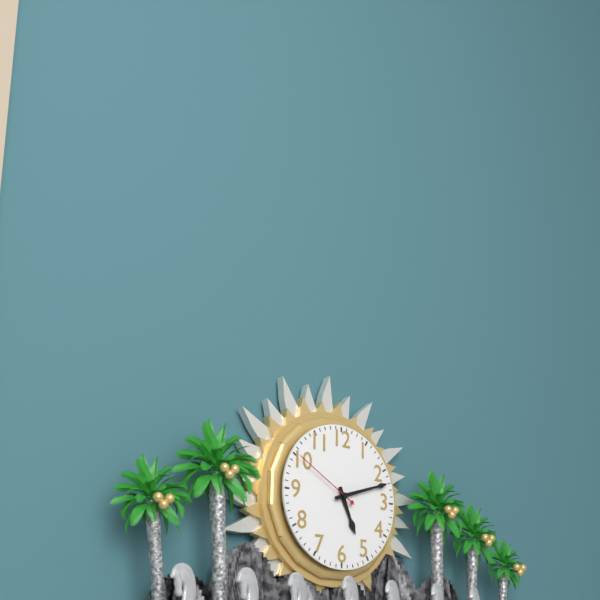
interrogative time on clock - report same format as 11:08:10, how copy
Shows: 5:12:50
